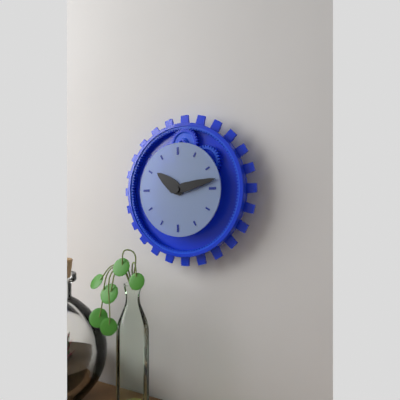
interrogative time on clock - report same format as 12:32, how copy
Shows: 10:13
